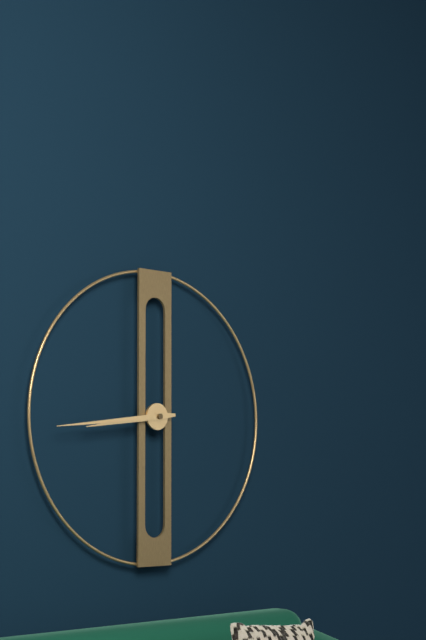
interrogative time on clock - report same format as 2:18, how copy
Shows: 8:44
